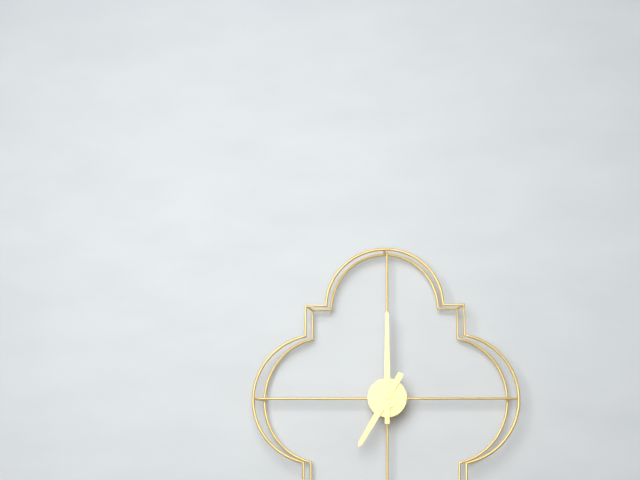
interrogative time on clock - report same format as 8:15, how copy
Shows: 7:00
